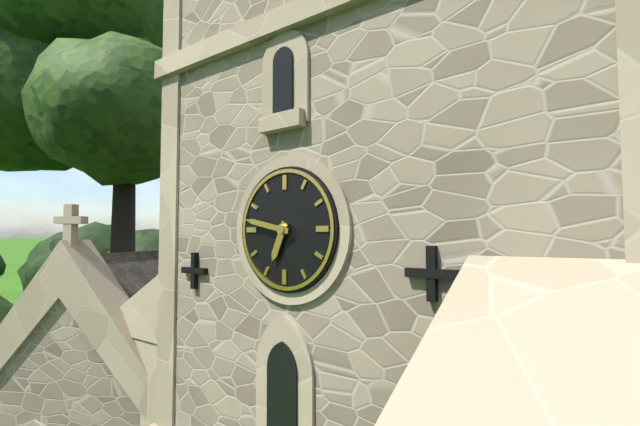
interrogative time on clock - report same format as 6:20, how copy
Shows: 6:47
